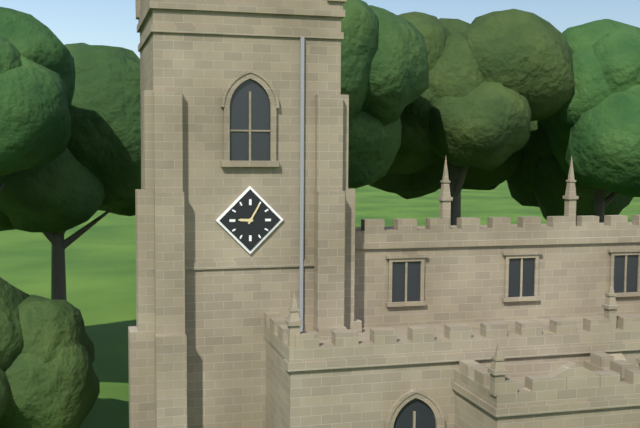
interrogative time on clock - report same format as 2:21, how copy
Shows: 9:05
